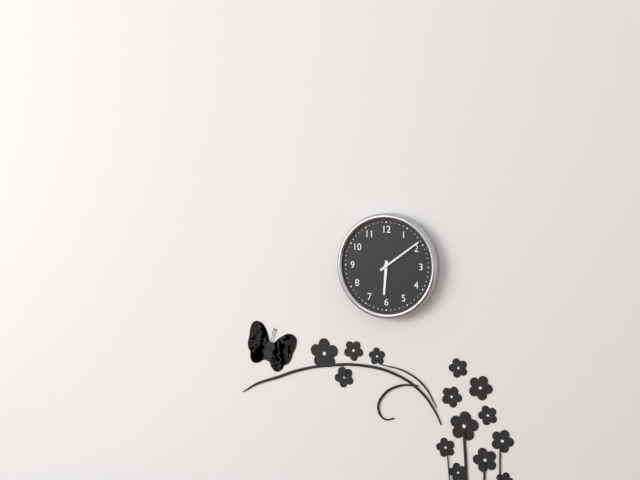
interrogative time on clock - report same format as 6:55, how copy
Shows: 6:09
